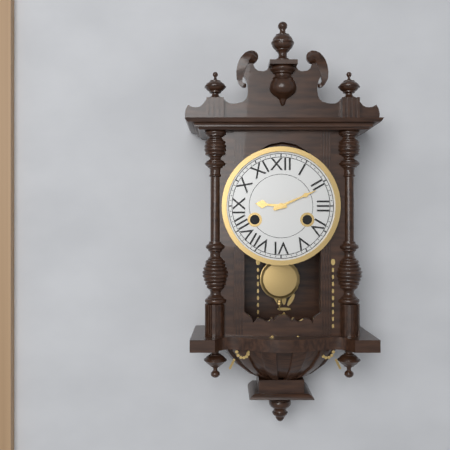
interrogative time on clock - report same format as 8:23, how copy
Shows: 9:11
